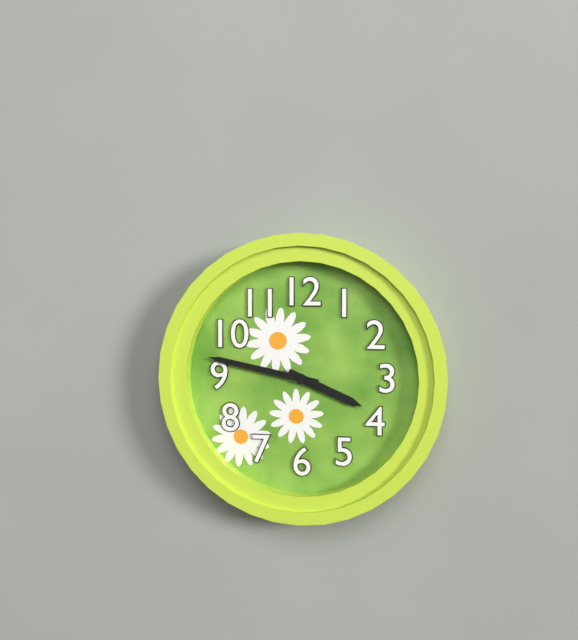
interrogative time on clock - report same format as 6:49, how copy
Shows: 3:47
